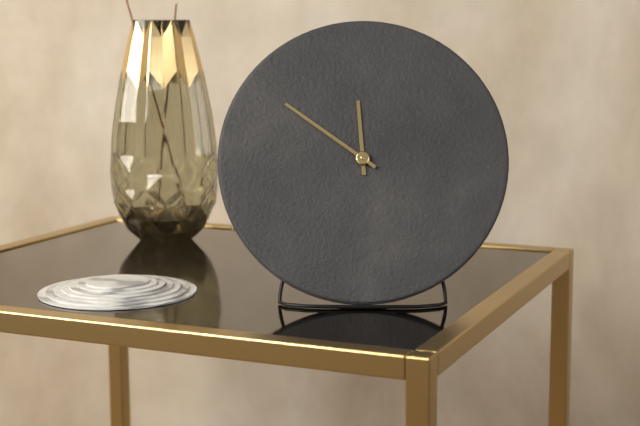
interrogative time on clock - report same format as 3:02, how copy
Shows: 11:51
